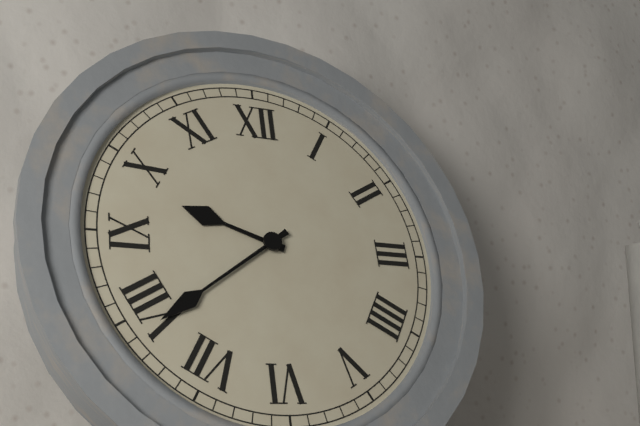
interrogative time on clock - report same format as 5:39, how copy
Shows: 9:39
